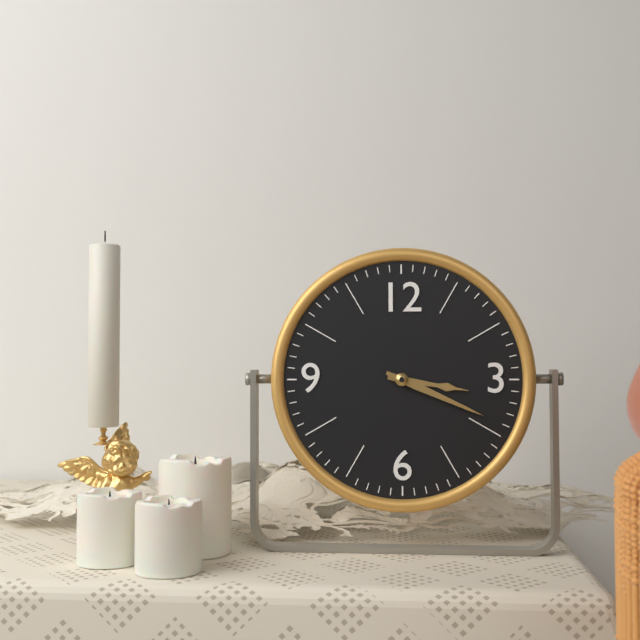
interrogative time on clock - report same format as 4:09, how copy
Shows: 3:19
